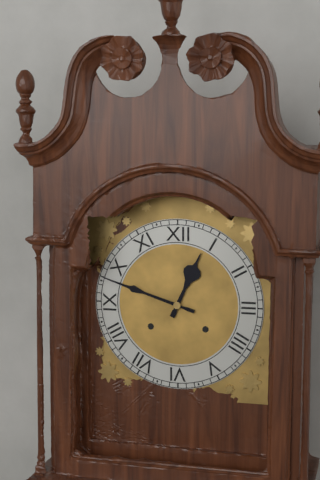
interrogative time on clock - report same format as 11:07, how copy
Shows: 12:48
